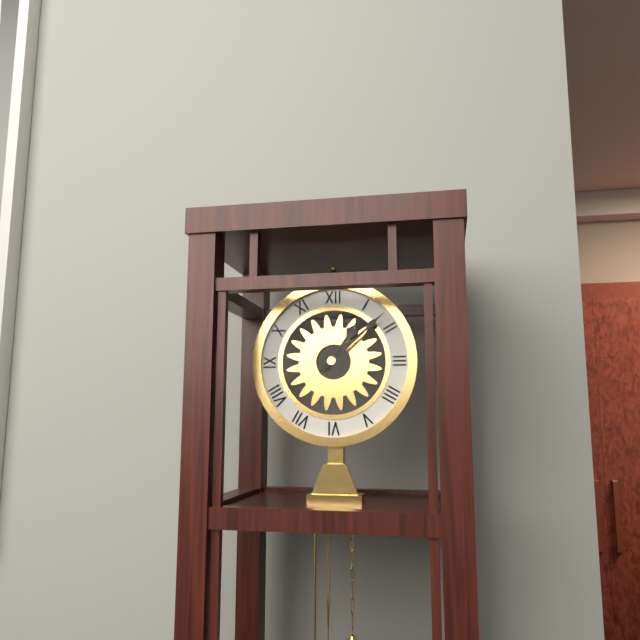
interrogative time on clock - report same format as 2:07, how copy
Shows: 1:08
